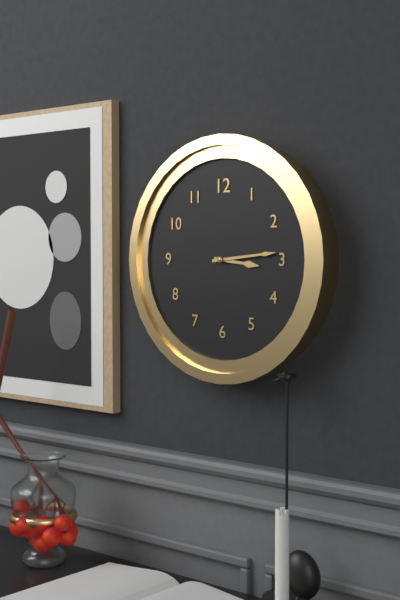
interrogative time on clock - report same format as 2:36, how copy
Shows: 3:14
